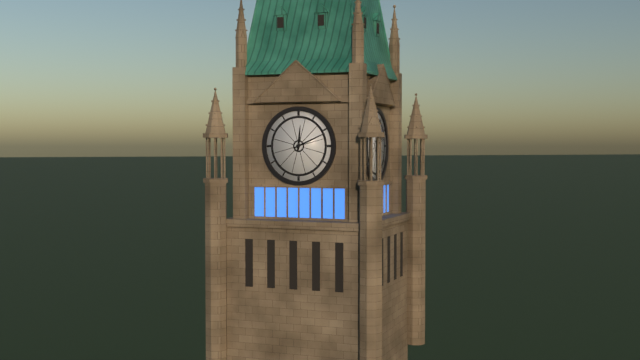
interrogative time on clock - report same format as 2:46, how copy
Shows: 12:11
